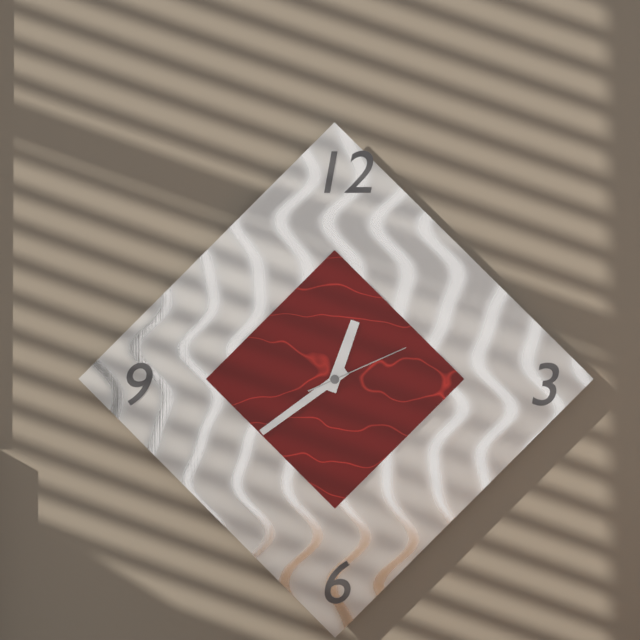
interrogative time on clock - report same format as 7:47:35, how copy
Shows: 12:39:11
